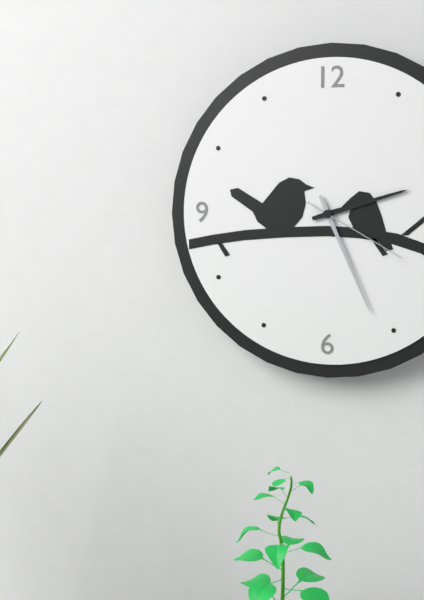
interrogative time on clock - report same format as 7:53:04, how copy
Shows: 2:26:20
